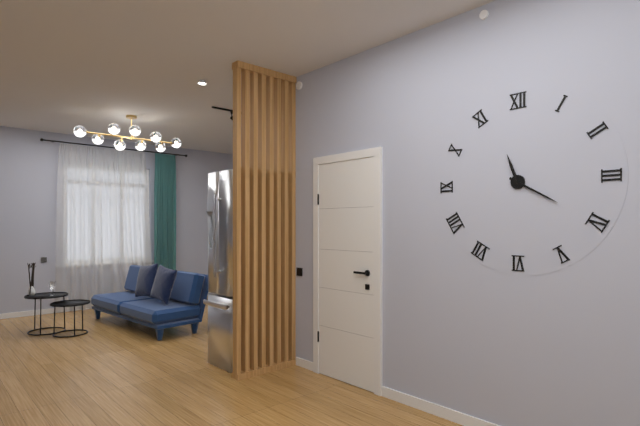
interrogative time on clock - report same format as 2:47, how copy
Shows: 11:20
